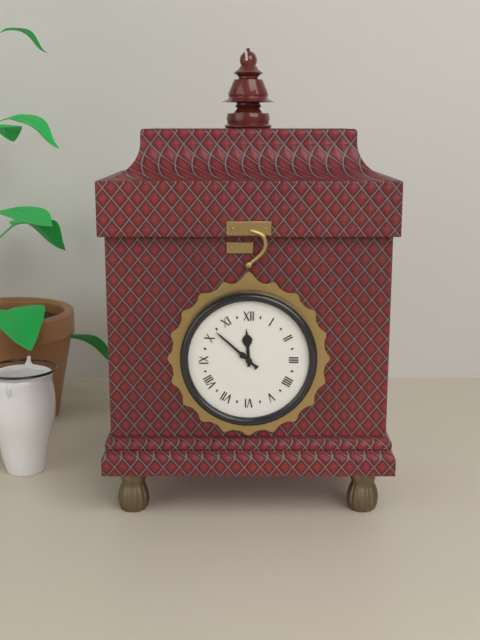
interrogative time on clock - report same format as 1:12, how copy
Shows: 11:52
